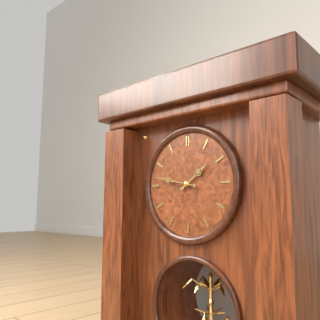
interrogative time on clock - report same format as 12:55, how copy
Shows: 1:47
